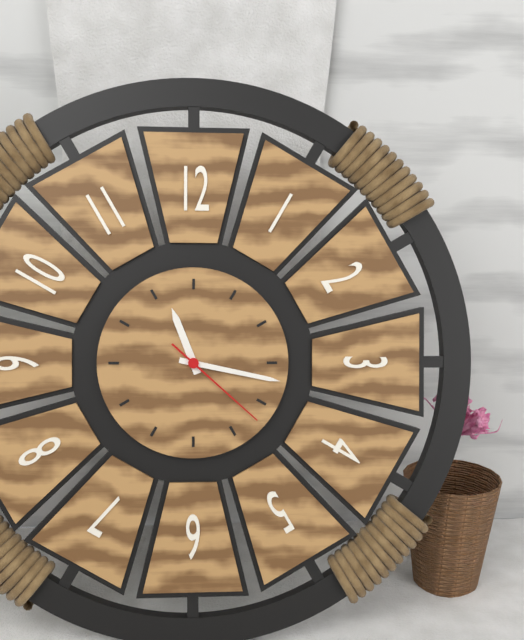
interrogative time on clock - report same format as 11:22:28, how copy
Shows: 11:17:22
